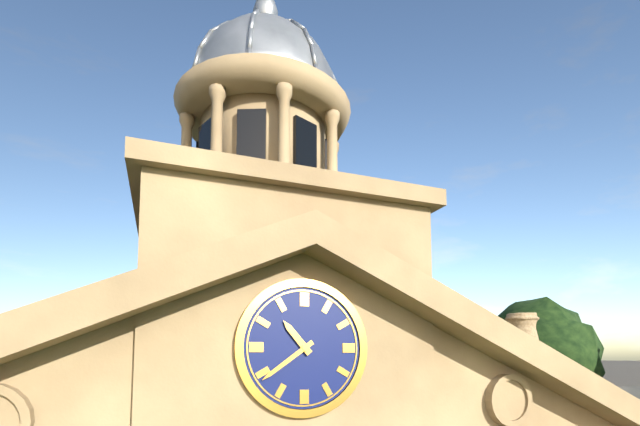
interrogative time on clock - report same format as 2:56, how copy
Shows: 10:39
